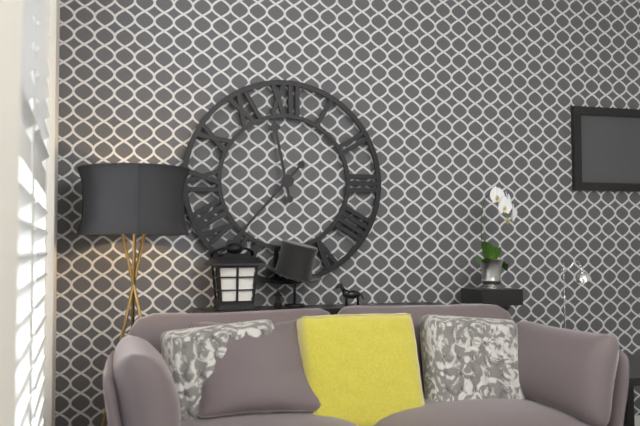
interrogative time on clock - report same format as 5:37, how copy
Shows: 11:37
